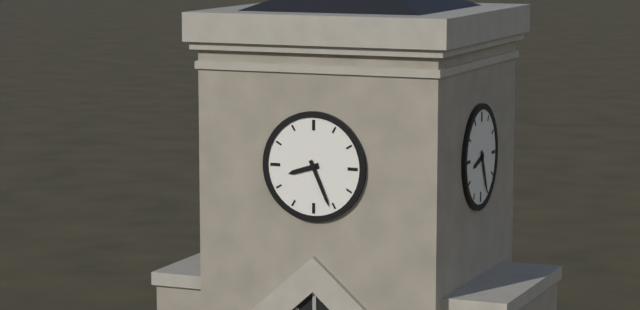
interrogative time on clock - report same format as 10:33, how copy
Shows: 8:26
